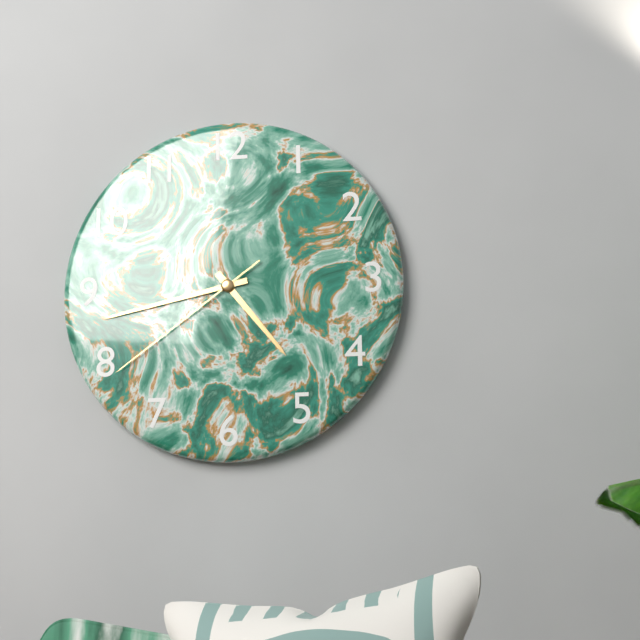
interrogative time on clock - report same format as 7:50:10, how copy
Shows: 4:43:39
